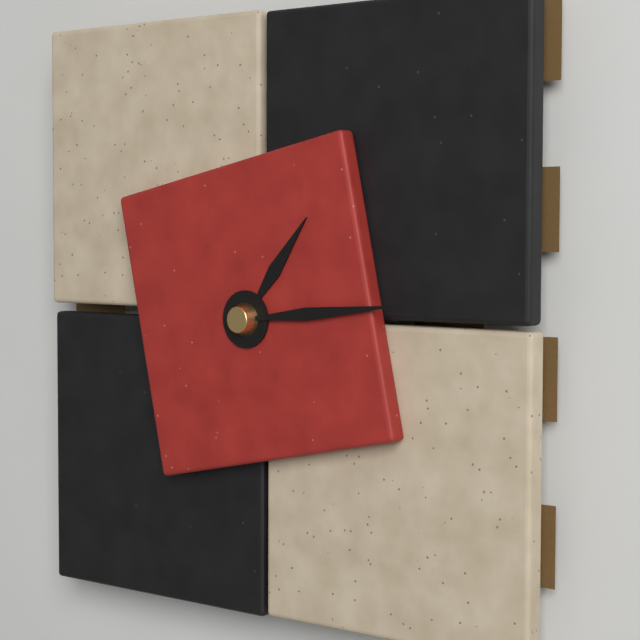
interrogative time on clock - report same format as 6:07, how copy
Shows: 1:14
